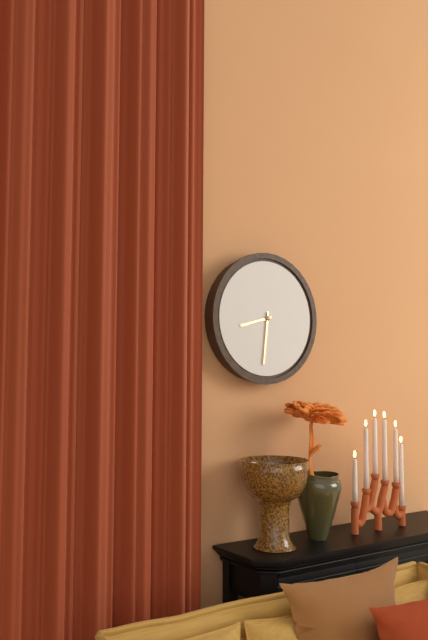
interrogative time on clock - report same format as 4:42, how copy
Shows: 8:31
